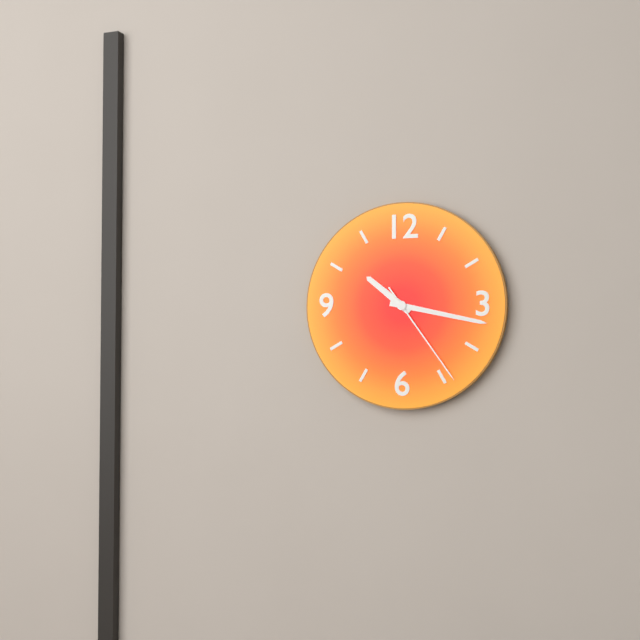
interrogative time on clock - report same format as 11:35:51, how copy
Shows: 10:17:24
